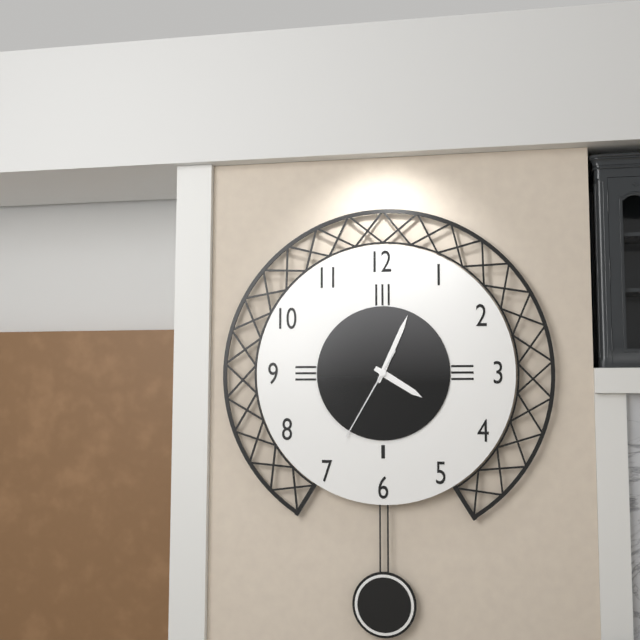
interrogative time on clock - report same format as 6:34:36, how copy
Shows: 4:04:35
